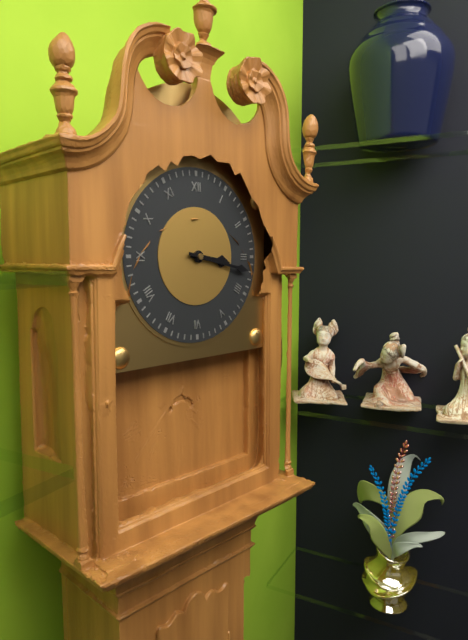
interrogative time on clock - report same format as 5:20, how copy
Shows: 3:17
